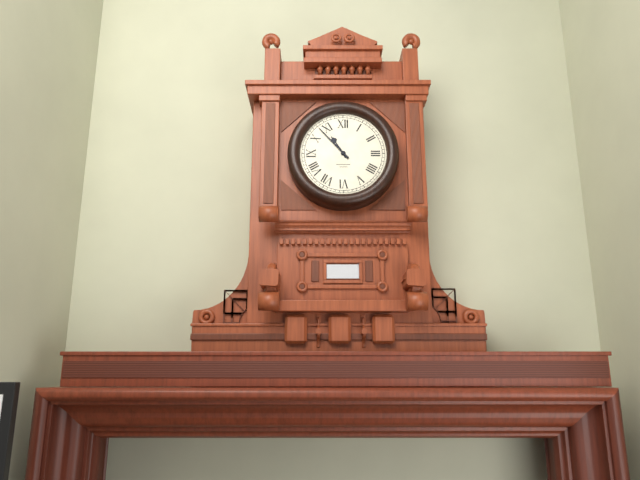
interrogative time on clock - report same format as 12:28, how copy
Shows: 10:53
